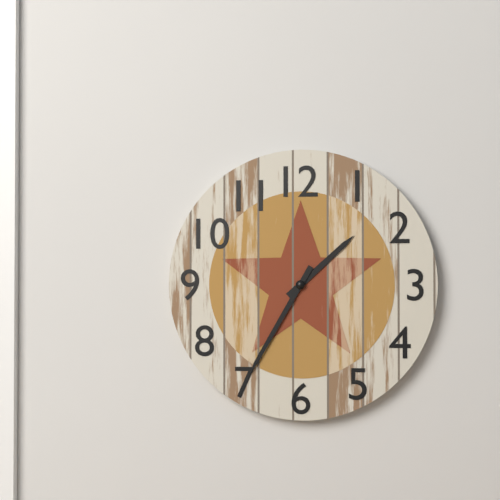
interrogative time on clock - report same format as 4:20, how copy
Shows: 1:35
